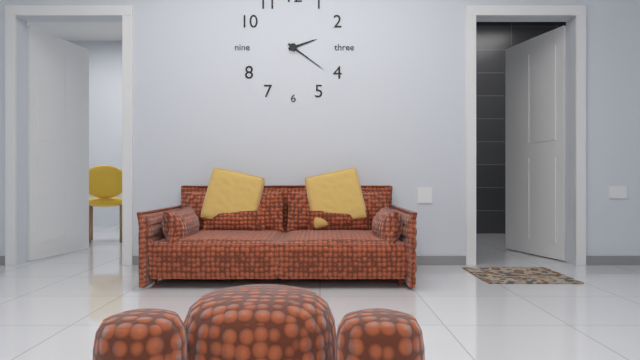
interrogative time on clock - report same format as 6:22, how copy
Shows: 2:21
